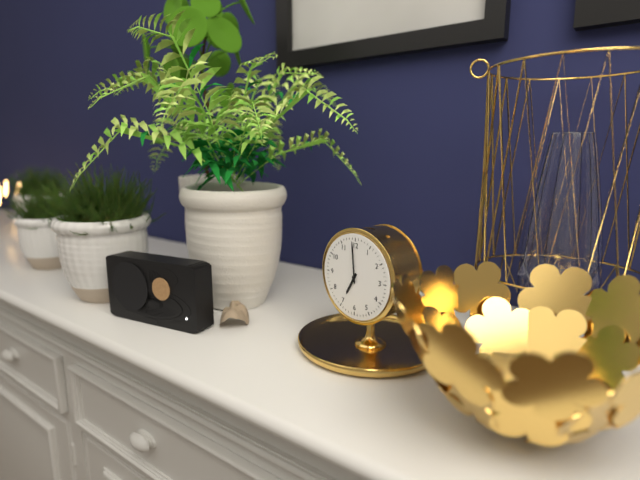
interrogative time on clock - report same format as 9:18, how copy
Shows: 6:59
